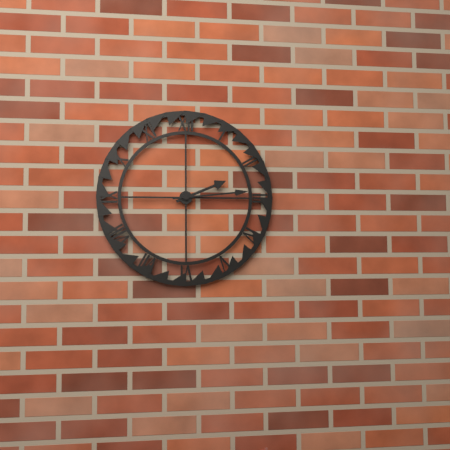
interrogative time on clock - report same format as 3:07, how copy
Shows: 2:14
